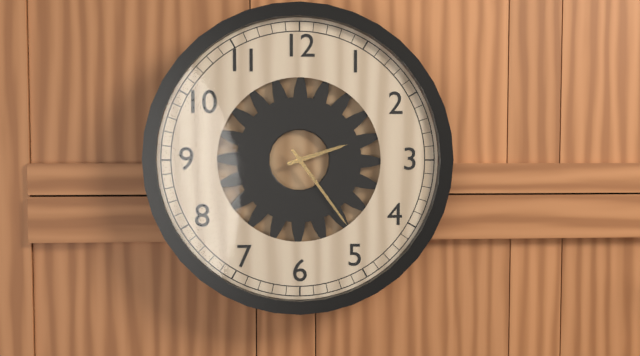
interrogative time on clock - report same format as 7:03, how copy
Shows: 2:24
